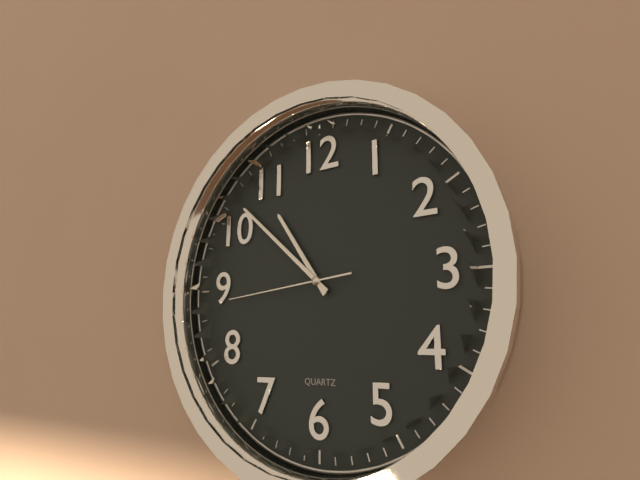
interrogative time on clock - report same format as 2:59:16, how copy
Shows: 10:52:44
